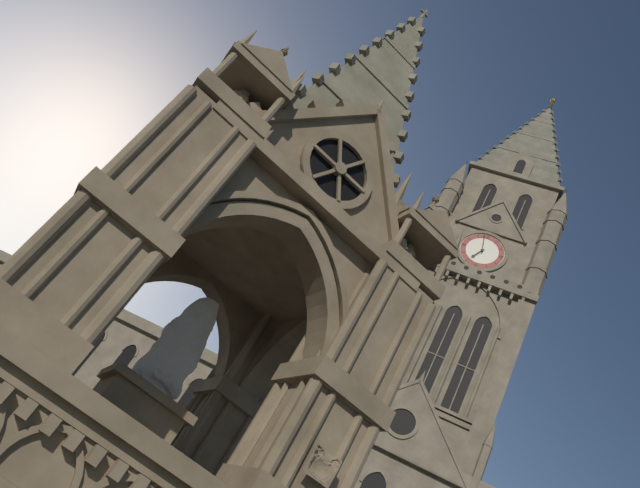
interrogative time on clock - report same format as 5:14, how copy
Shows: 6:58
